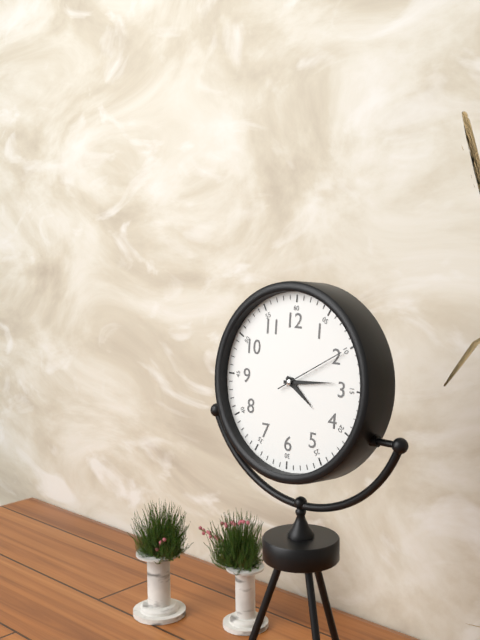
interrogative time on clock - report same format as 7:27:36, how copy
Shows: 4:14:10
